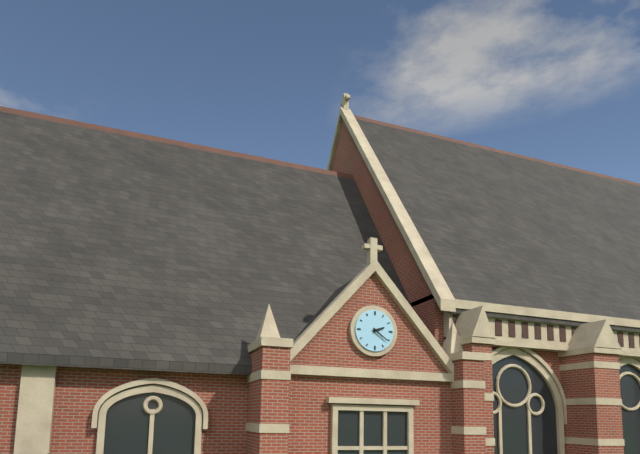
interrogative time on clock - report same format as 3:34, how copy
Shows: 2:21
